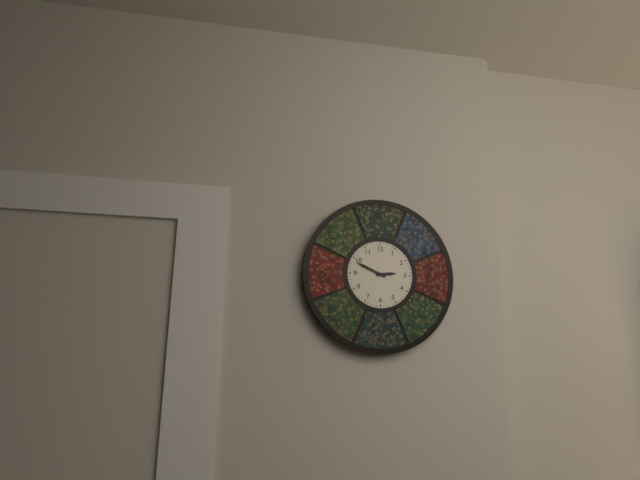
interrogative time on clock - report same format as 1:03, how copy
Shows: 2:49
